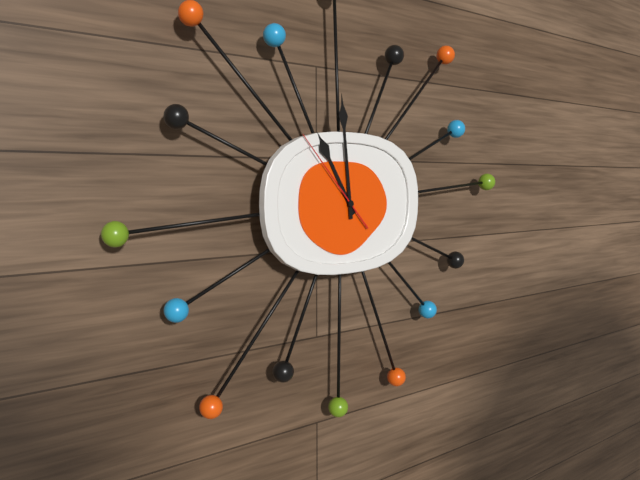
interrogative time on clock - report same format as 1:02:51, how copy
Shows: 10:59:53
